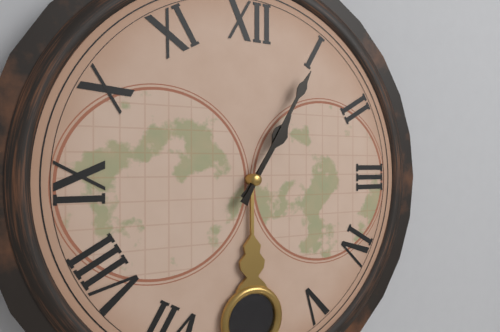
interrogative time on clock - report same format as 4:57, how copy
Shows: 1:05
